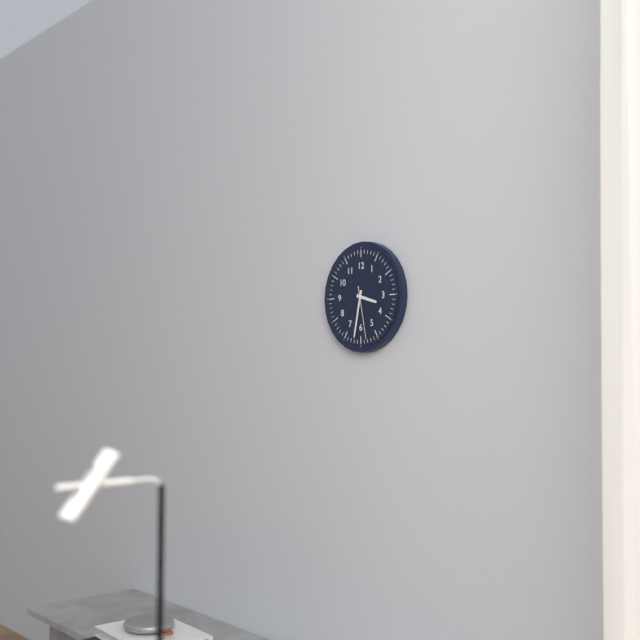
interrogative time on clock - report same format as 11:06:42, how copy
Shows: 3:32:28
